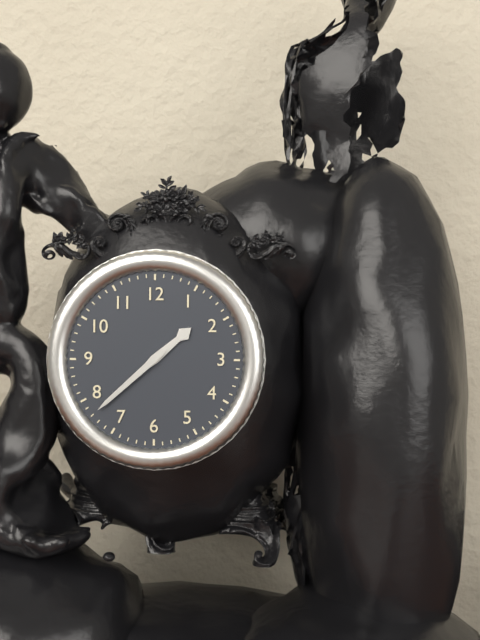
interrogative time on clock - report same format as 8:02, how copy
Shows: 1:38
